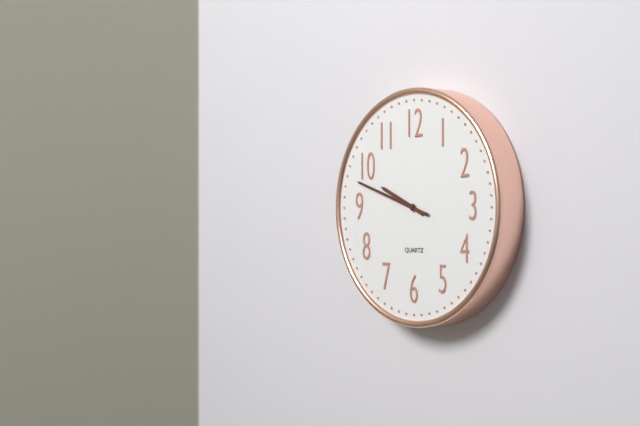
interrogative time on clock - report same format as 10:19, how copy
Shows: 9:48
